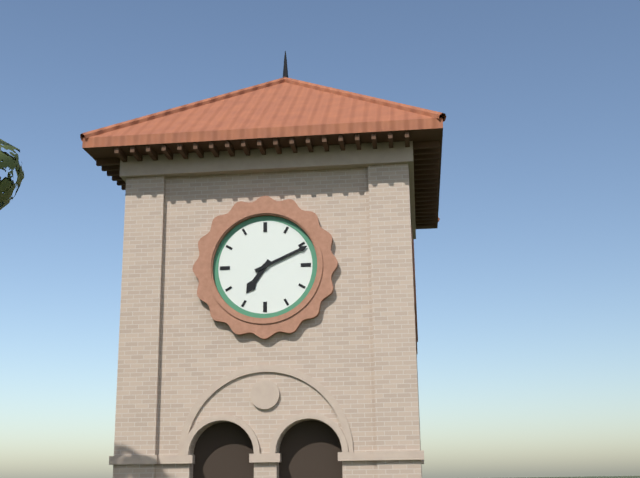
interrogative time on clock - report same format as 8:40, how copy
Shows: 7:11
